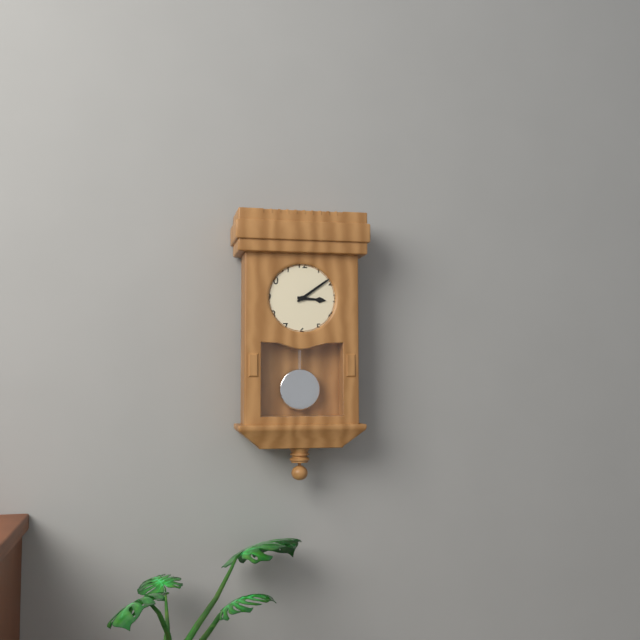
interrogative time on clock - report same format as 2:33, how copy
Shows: 3:09
